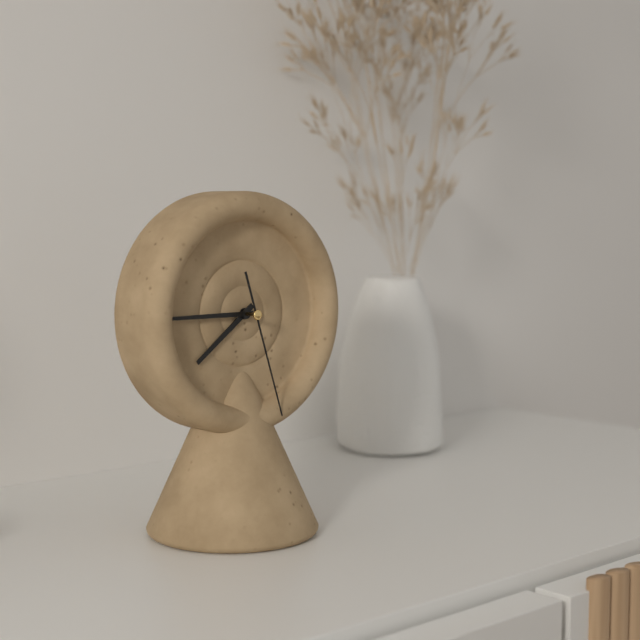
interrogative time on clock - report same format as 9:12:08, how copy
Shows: 7:45:27
